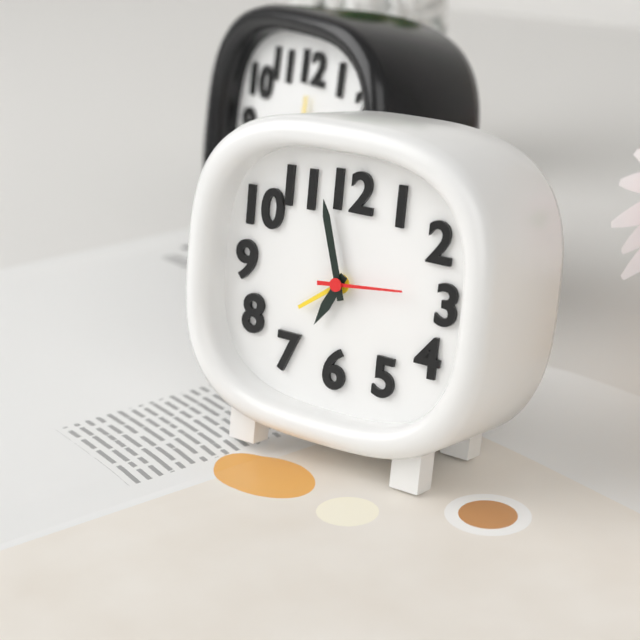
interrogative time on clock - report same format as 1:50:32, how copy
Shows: 6:57:14
